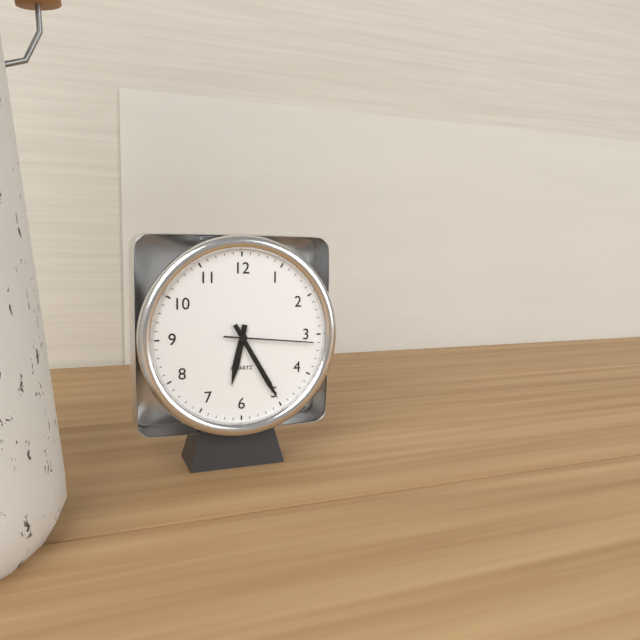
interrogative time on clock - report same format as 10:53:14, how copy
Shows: 6:25:16
